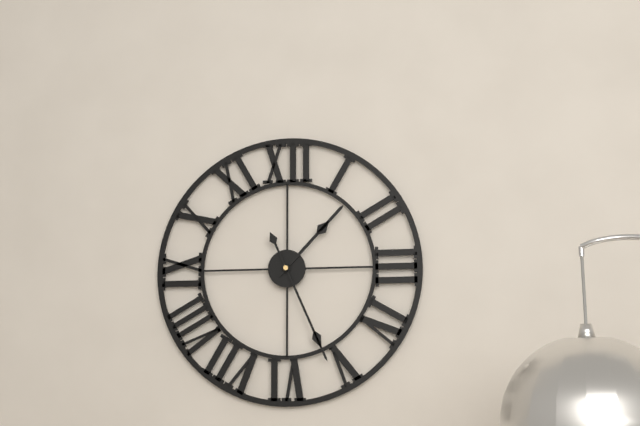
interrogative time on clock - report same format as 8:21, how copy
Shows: 1:26
